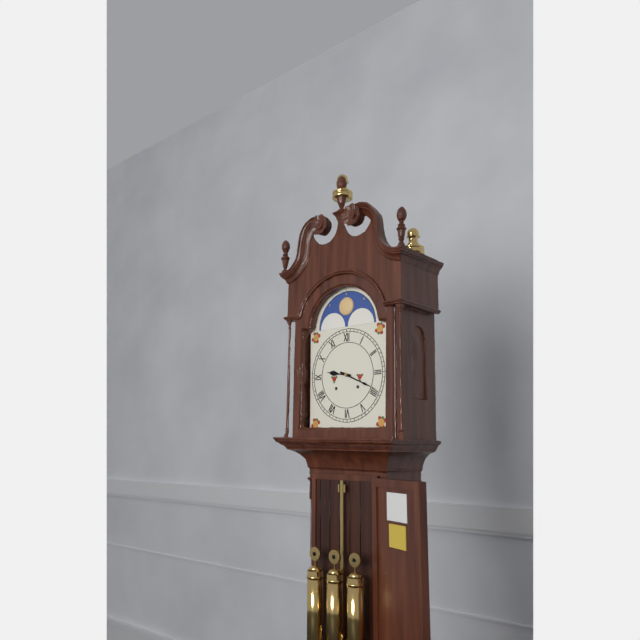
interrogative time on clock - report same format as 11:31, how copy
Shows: 9:19
